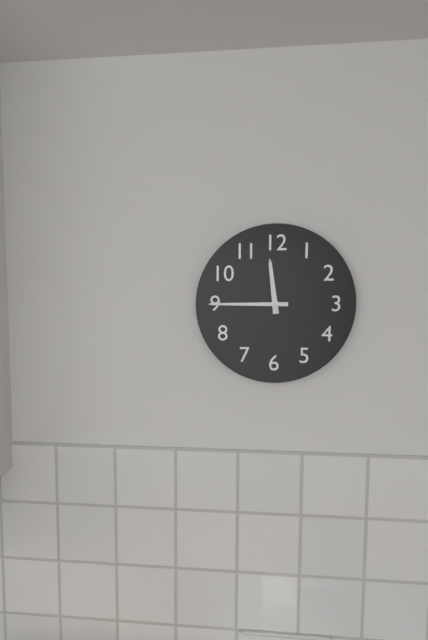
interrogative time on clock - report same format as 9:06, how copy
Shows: 11:45
